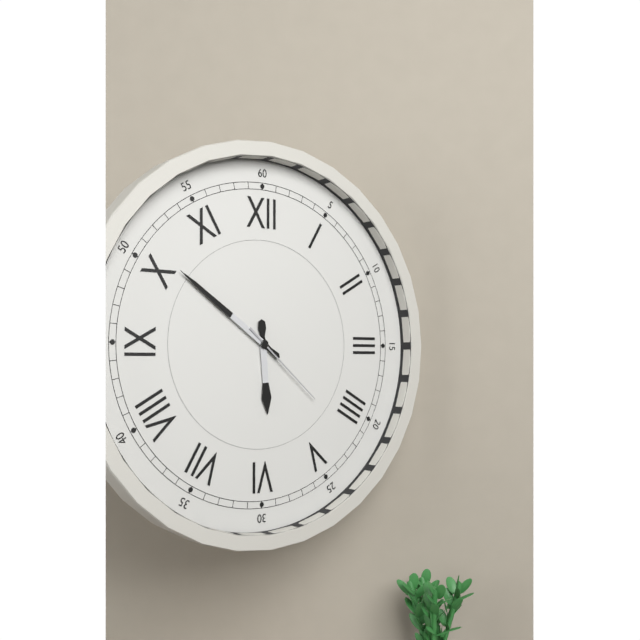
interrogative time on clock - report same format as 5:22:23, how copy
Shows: 5:51:22
